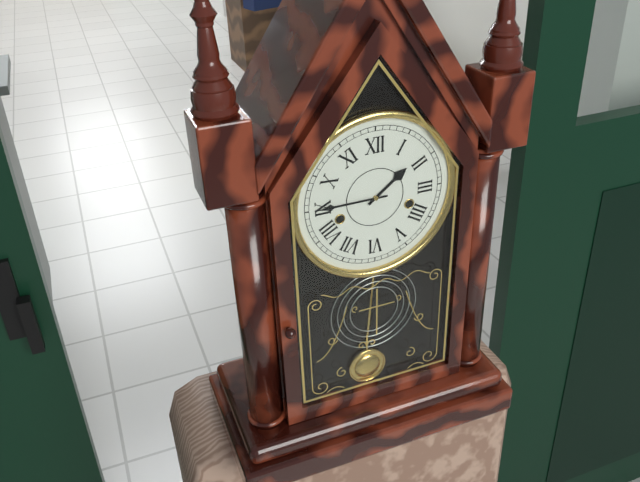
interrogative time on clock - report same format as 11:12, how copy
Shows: 1:45
